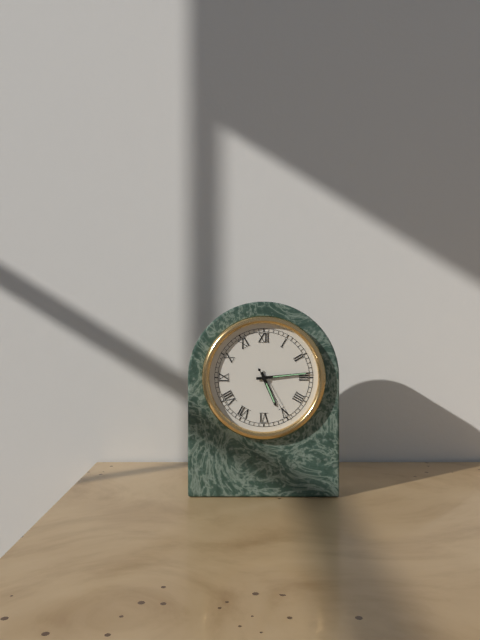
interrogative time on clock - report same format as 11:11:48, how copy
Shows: 5:14:25
